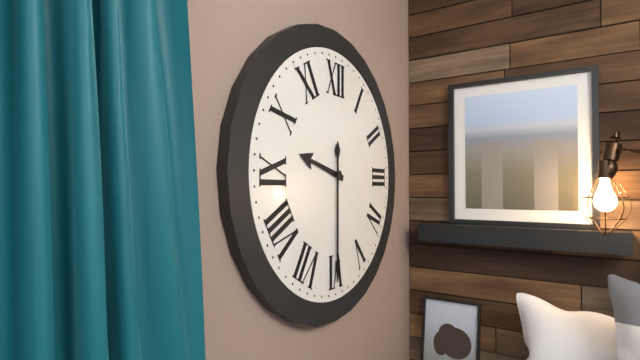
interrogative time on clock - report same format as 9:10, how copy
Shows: 9:30
